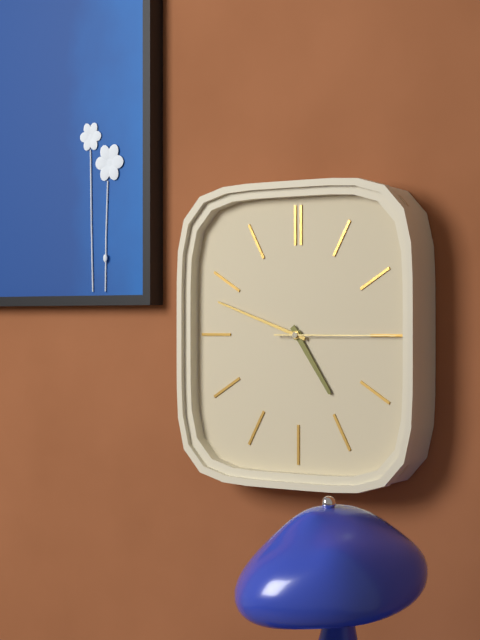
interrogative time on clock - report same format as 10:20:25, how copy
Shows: 4:48:15
